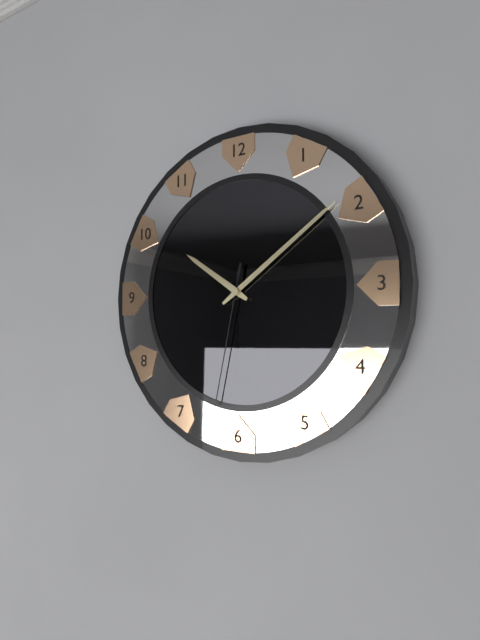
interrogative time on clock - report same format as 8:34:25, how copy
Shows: 10:09:32
